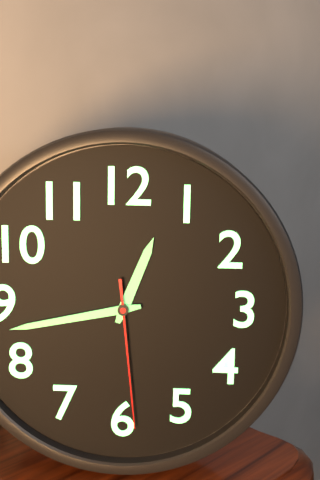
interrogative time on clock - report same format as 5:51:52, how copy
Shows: 12:43:29
